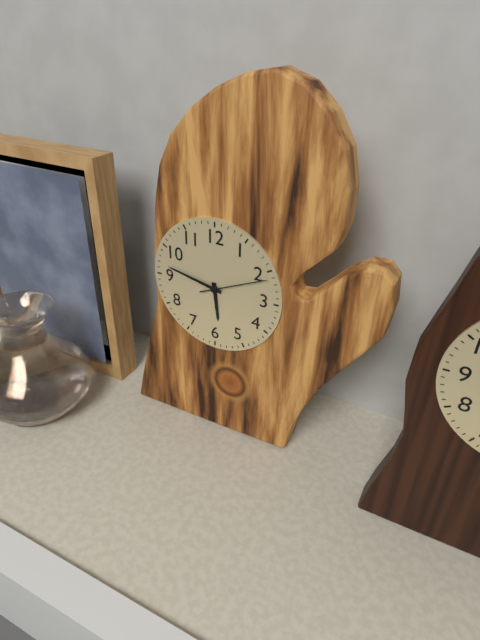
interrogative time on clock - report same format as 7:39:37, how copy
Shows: 5:47:11
